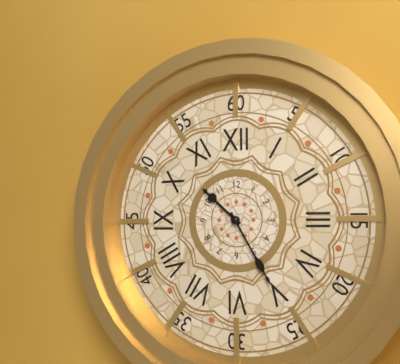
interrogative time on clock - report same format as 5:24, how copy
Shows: 10:25
